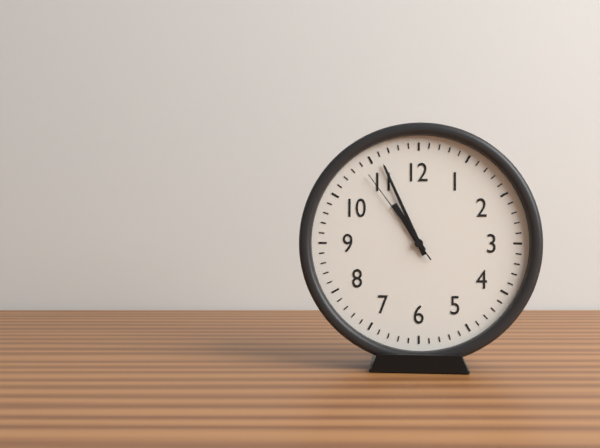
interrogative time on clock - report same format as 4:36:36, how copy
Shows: 10:56:54
